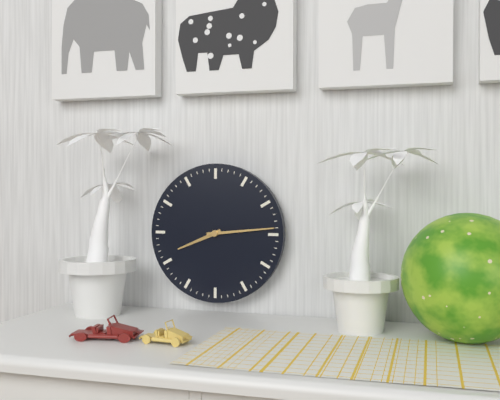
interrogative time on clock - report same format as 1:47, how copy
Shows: 8:14
